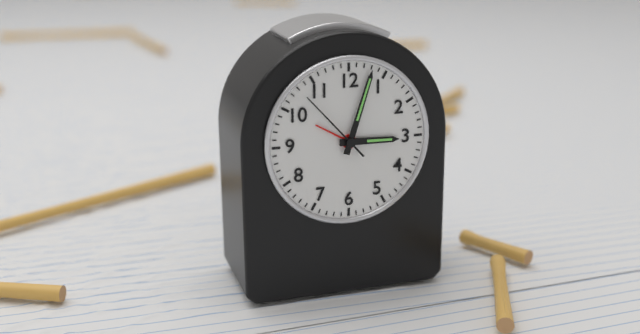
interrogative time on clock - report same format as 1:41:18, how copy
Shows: 3:03:53
